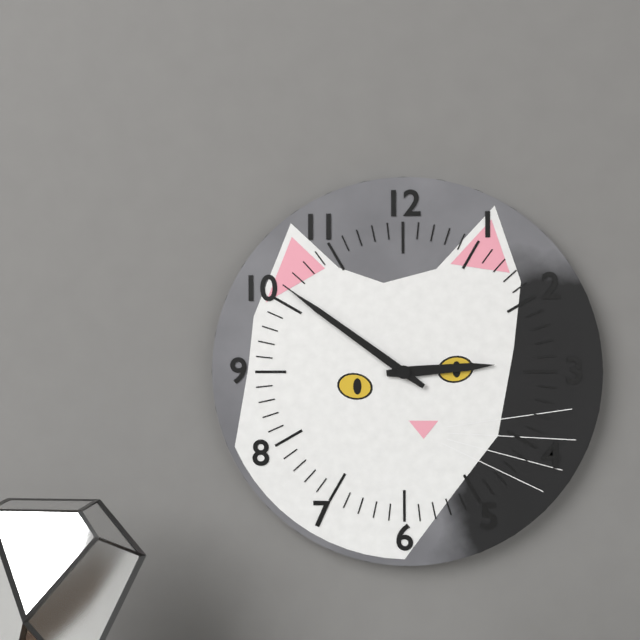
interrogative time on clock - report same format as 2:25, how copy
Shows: 2:51
